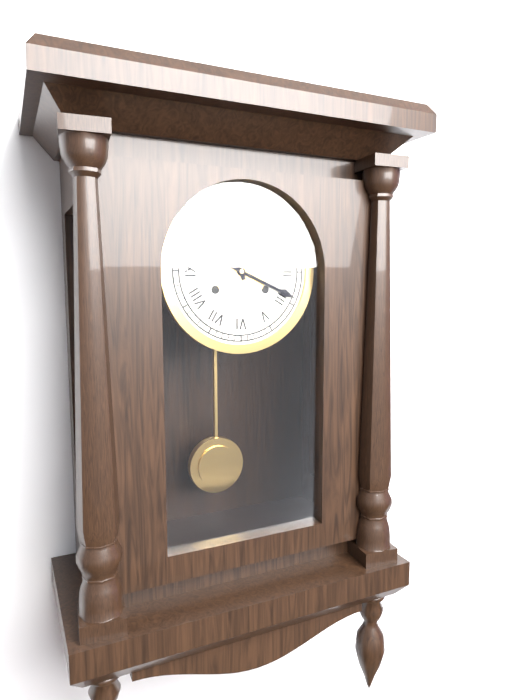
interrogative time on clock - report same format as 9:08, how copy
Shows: 11:19
